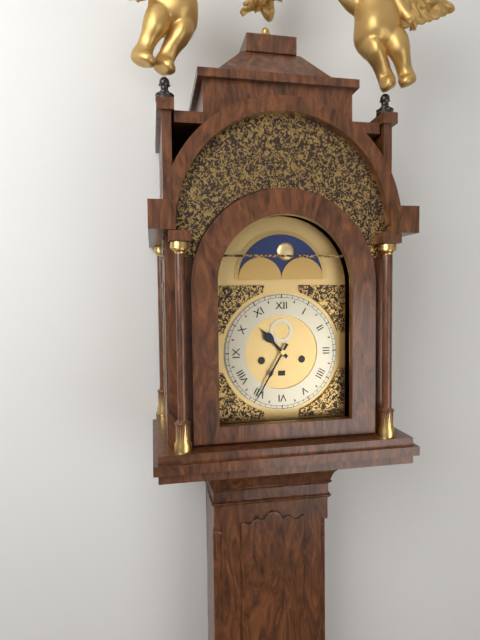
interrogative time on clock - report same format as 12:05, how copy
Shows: 10:35
